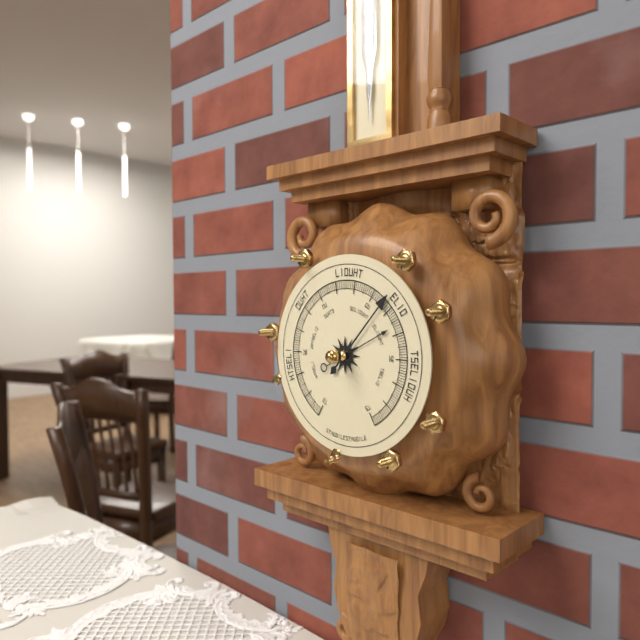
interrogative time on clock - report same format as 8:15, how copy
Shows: 2:07
